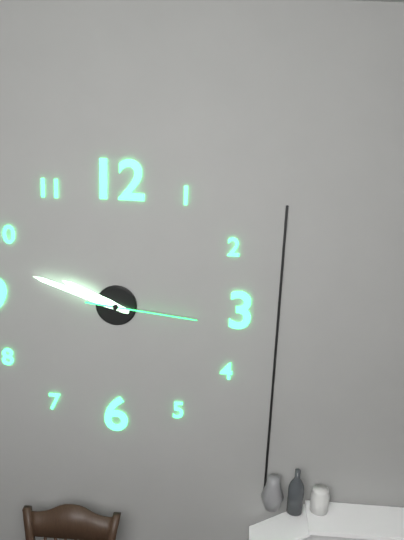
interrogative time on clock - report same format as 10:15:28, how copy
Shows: 9:48:16
